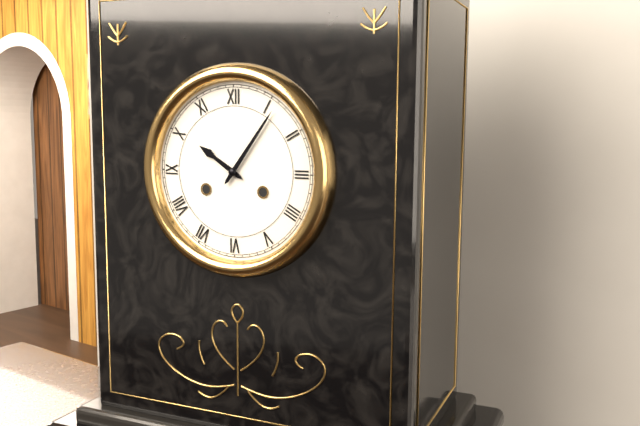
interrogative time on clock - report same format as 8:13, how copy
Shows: 10:06
